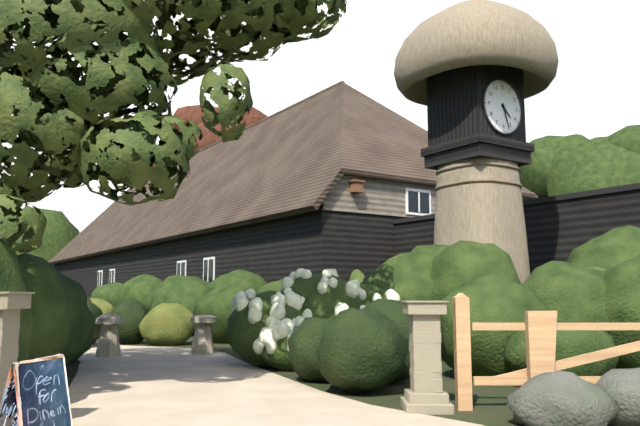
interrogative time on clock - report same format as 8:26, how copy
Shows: 4:27
